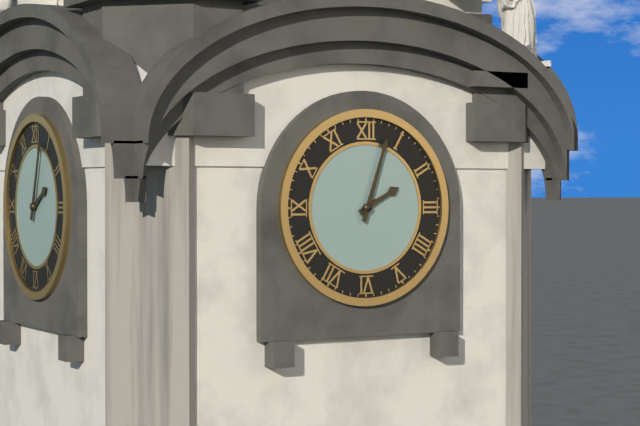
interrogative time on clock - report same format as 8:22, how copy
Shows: 2:03
